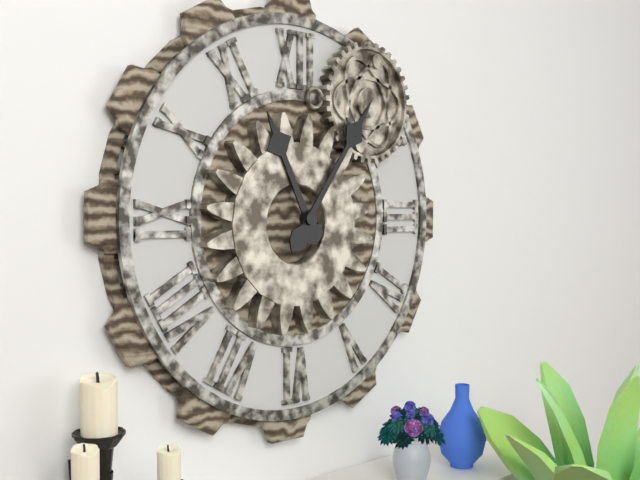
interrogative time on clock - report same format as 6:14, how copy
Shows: 11:06
